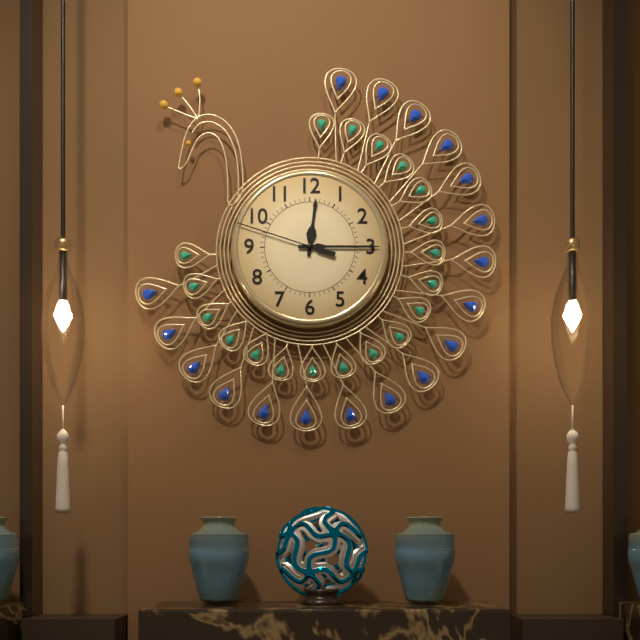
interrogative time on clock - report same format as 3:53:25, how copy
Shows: 12:15:48
